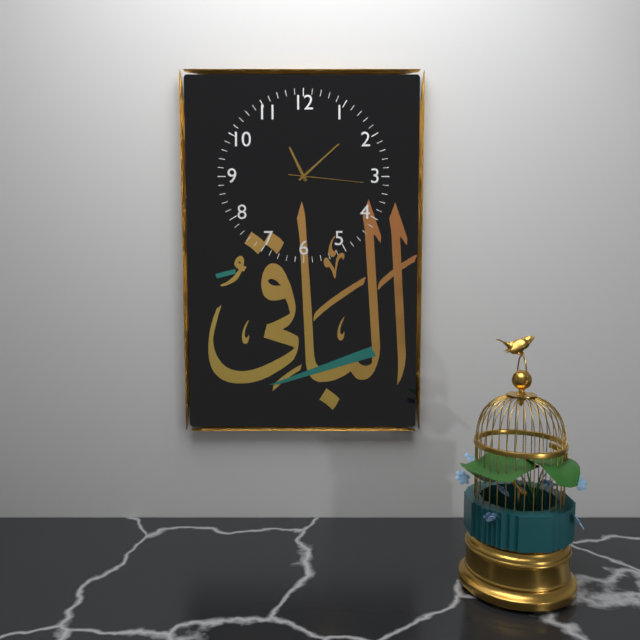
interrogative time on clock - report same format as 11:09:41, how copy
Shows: 11:08:16
